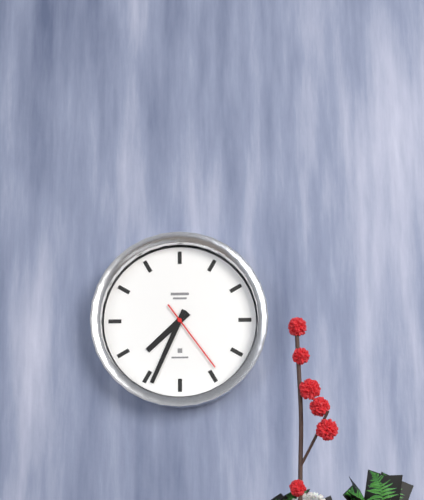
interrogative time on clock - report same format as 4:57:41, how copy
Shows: 7:34:24
